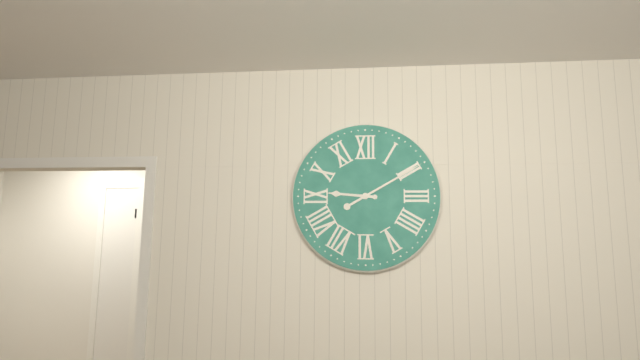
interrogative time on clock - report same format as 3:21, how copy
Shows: 9:10
